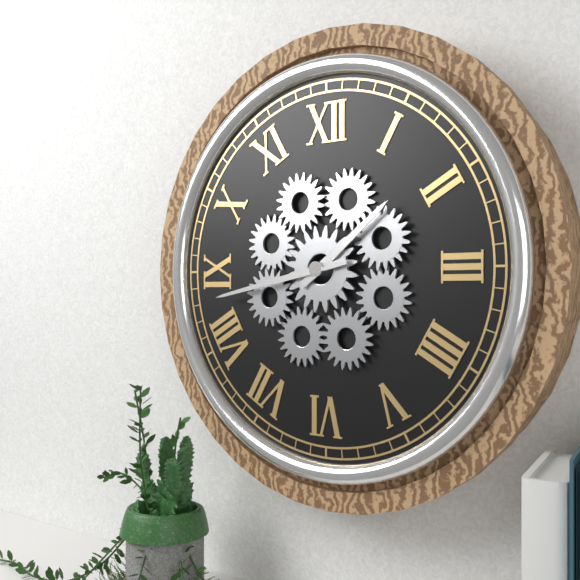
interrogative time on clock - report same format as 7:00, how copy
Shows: 1:43
